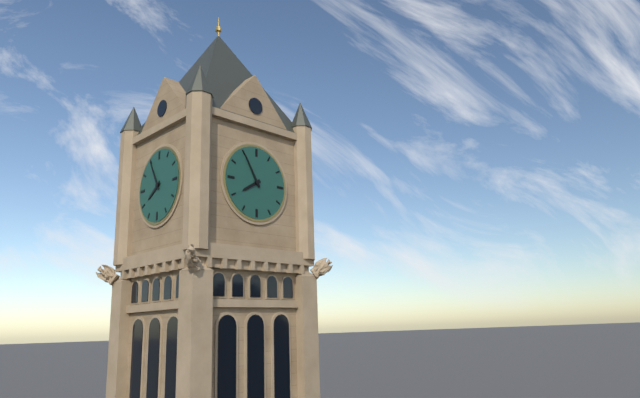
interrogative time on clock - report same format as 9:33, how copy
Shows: 7:55
